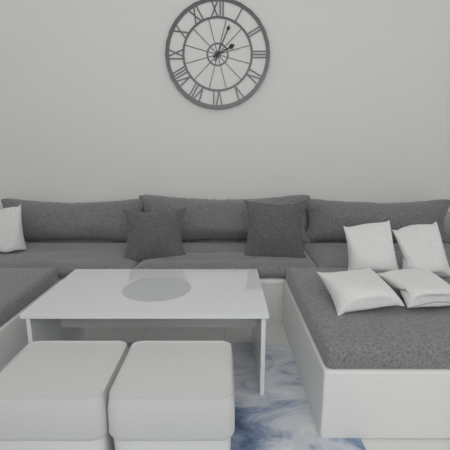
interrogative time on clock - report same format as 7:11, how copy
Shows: 2:04
